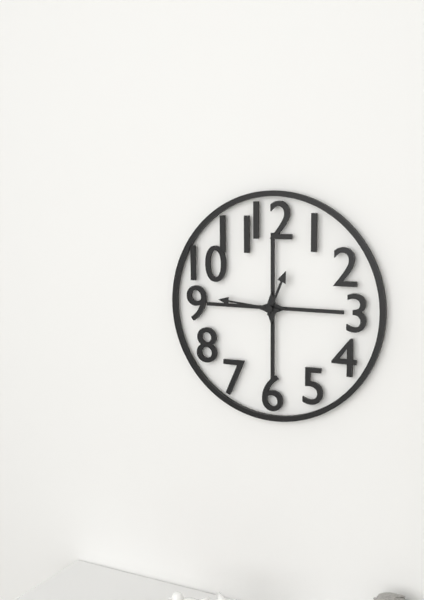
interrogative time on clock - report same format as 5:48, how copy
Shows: 12:46
